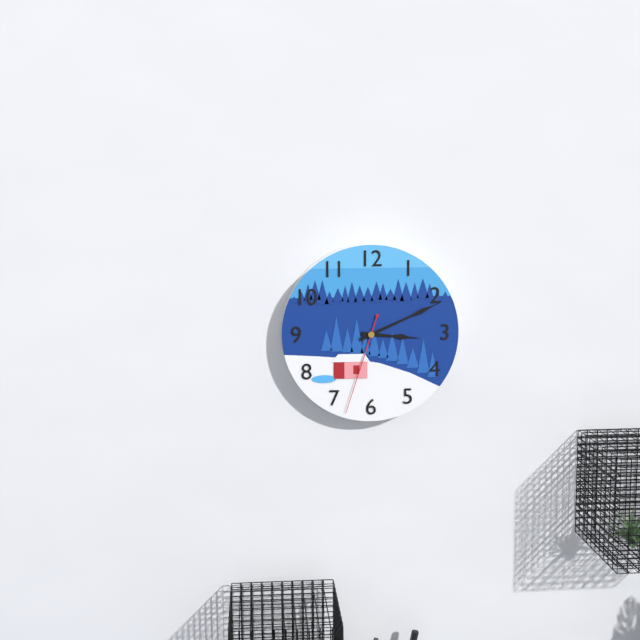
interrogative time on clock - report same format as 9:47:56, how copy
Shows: 3:11:33
